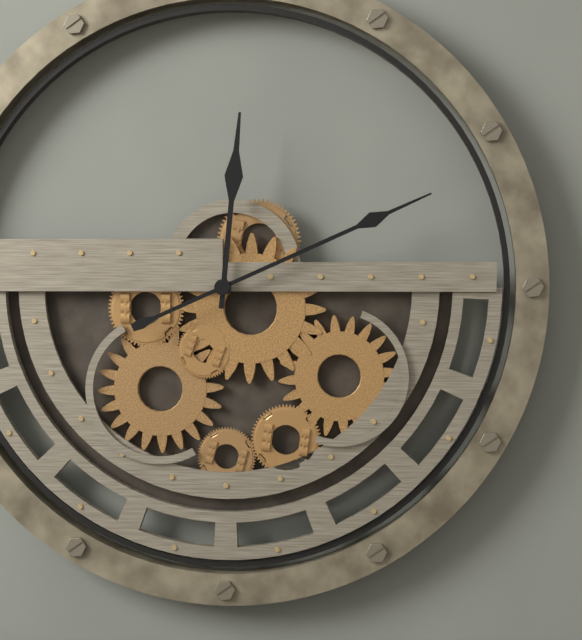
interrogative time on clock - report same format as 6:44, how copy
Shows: 12:11
